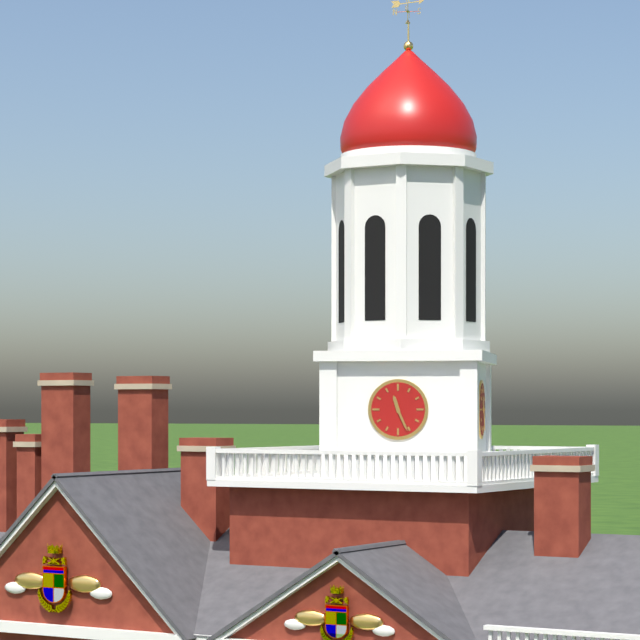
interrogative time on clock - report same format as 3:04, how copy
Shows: 11:26
